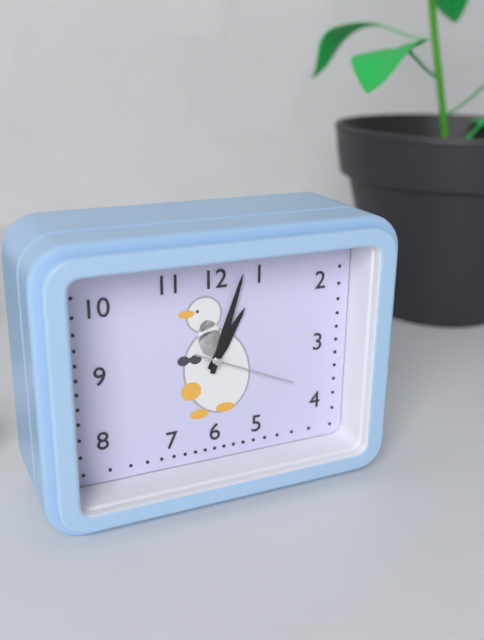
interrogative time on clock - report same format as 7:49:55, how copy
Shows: 1:03:19
